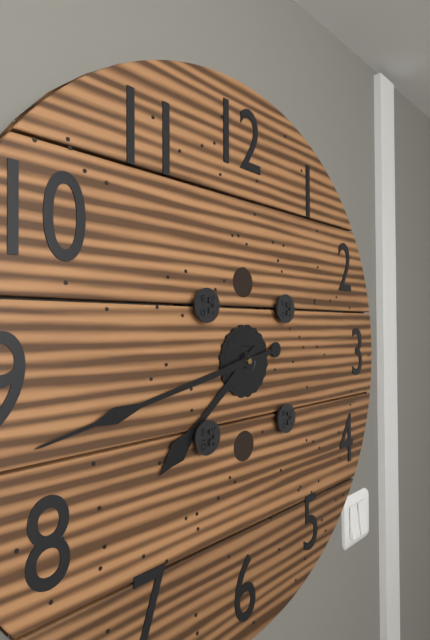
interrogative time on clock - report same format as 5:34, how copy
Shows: 7:43
